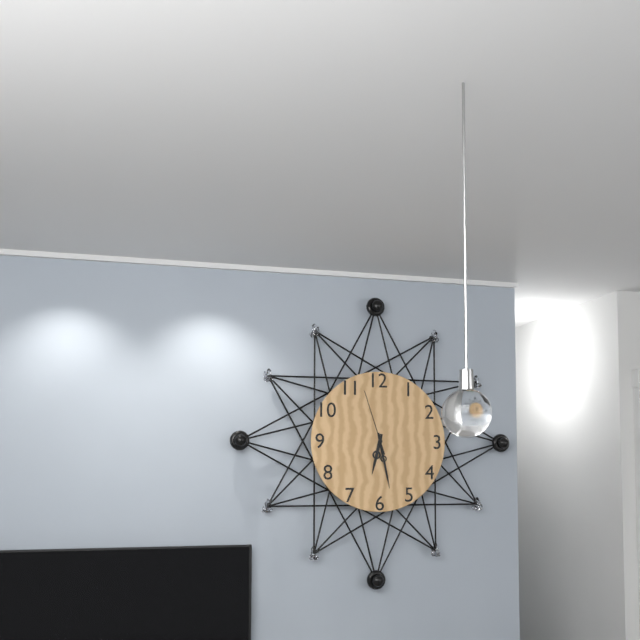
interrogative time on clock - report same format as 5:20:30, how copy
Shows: 6:28:57
